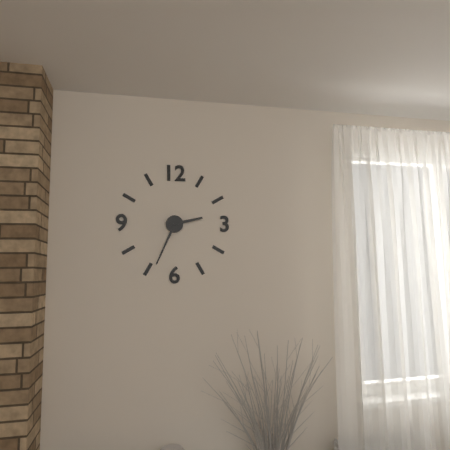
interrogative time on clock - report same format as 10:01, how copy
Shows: 2:34
